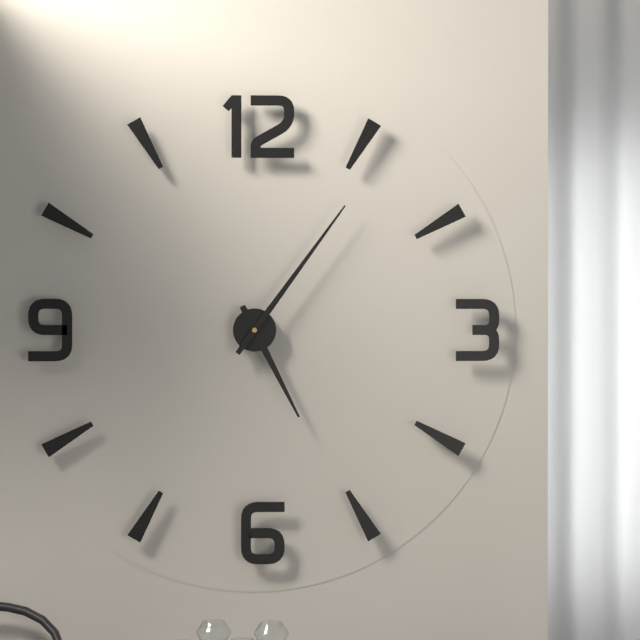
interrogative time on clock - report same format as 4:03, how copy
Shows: 5:06
